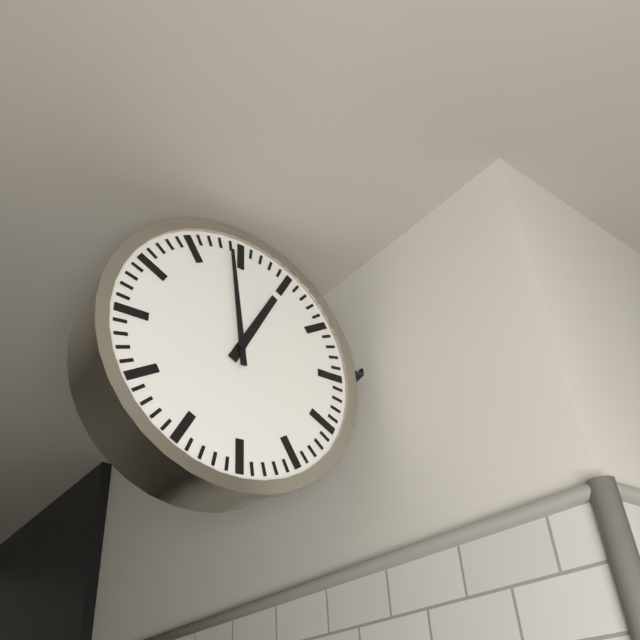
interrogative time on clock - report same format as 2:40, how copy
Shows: 12:59
